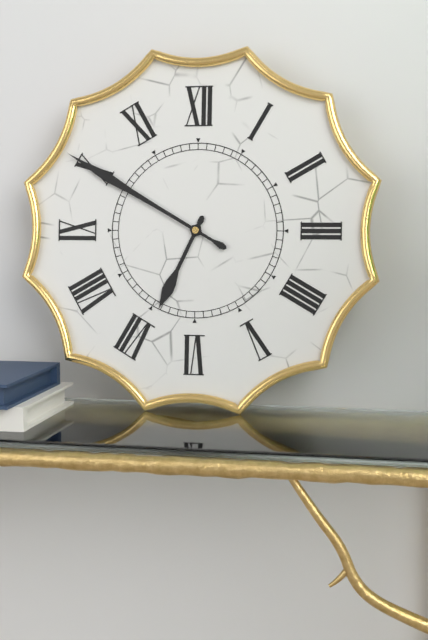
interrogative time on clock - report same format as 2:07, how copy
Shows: 6:50
